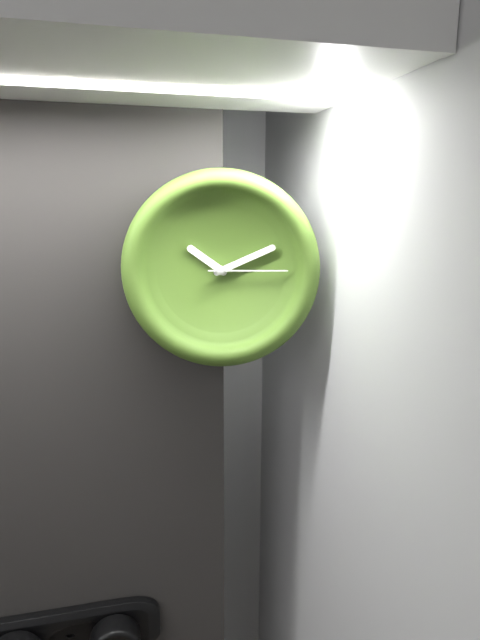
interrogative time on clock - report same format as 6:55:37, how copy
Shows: 10:11:15
